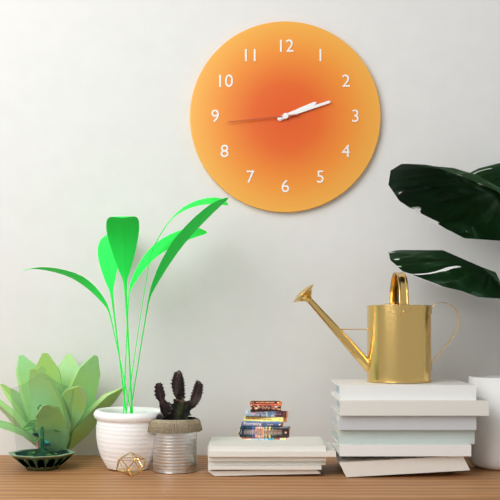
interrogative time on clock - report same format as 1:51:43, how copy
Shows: 2:12:44
